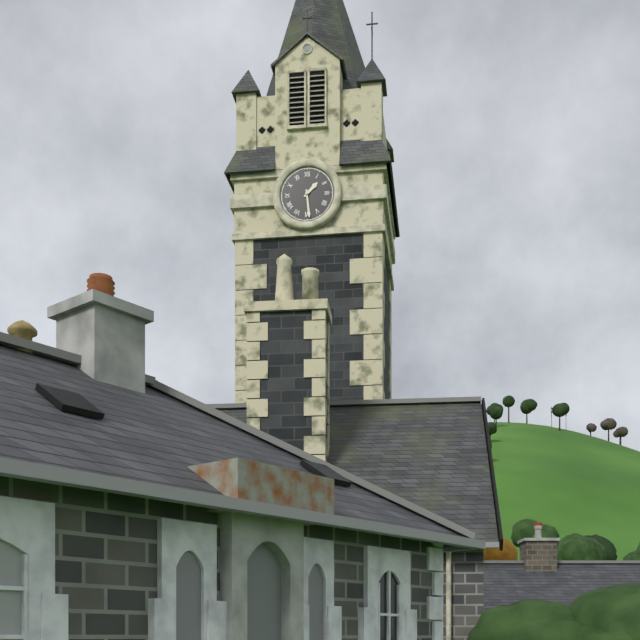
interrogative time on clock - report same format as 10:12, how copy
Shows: 1:29
